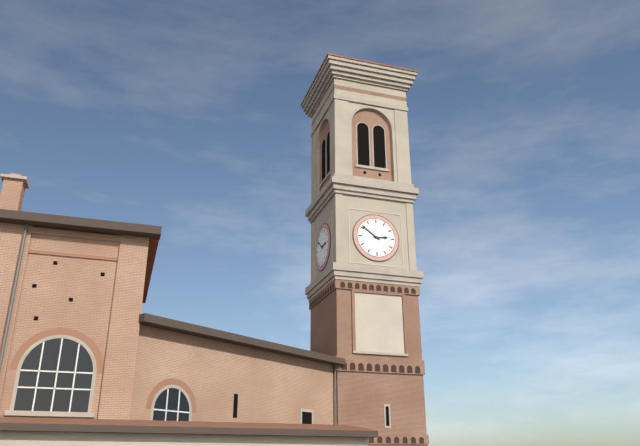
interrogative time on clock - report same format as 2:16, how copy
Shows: 2:51
